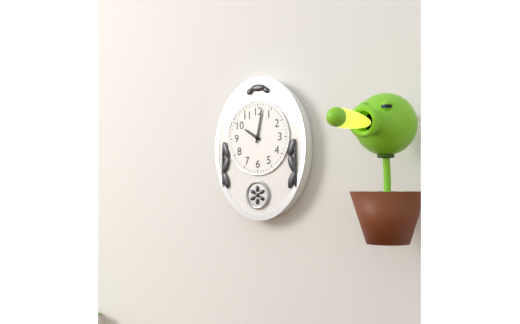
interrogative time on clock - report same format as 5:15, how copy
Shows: 10:02
